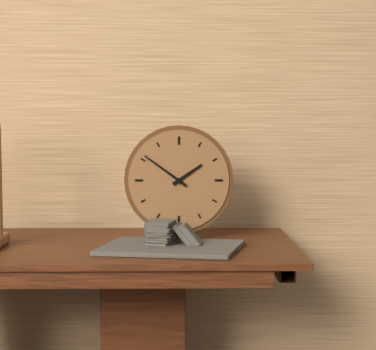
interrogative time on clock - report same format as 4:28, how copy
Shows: 1:51
